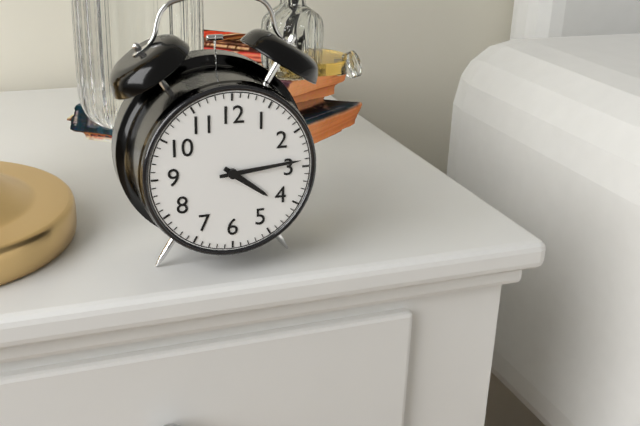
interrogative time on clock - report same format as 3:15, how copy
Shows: 4:14
